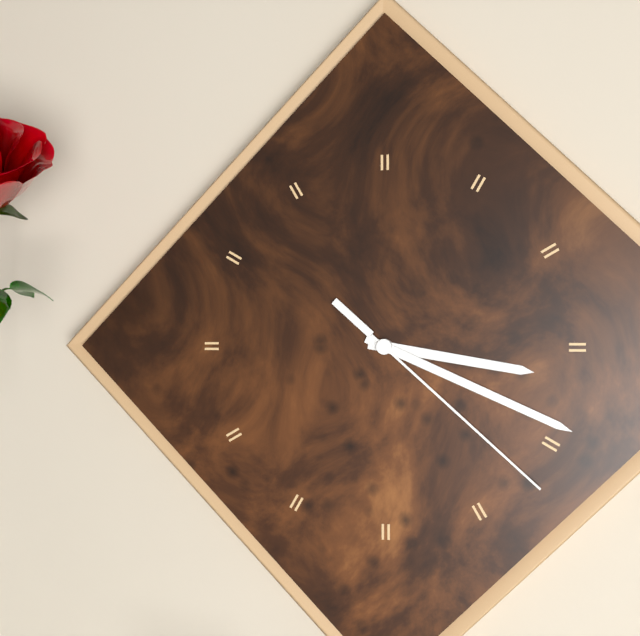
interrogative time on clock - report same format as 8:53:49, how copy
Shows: 3:19:22
